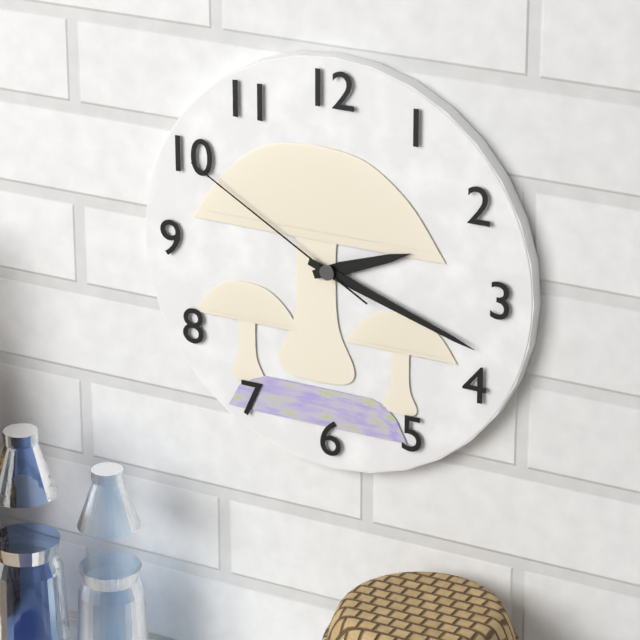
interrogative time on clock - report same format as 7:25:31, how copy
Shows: 2:18:50
